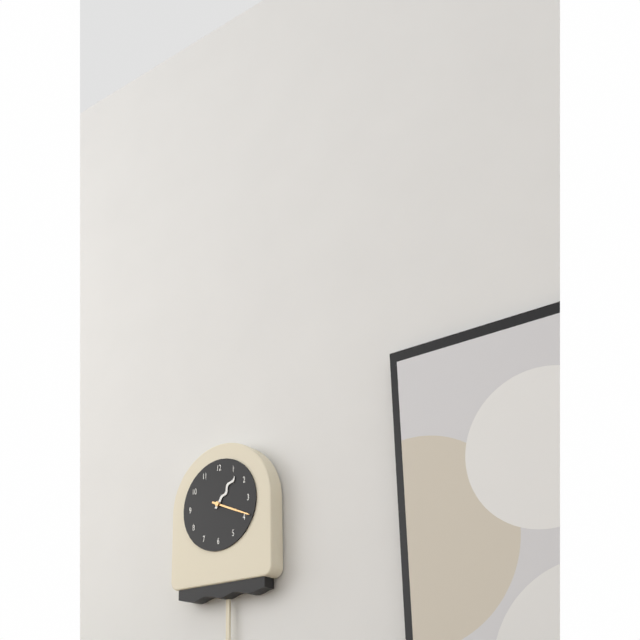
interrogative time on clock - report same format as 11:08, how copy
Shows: 1:19
